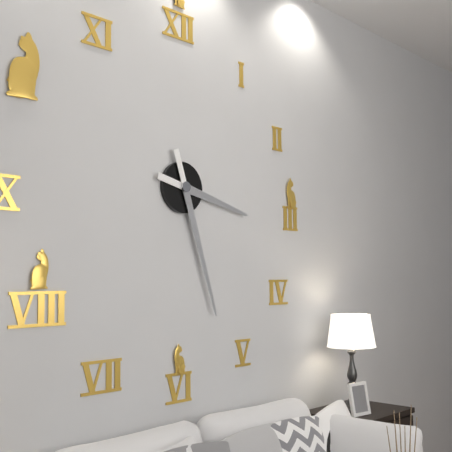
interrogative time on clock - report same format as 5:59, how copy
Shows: 3:27
